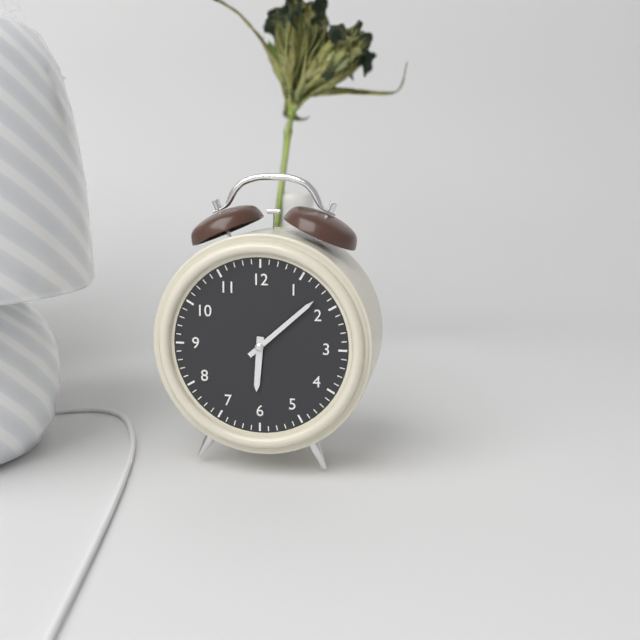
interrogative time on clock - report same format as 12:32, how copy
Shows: 6:08
